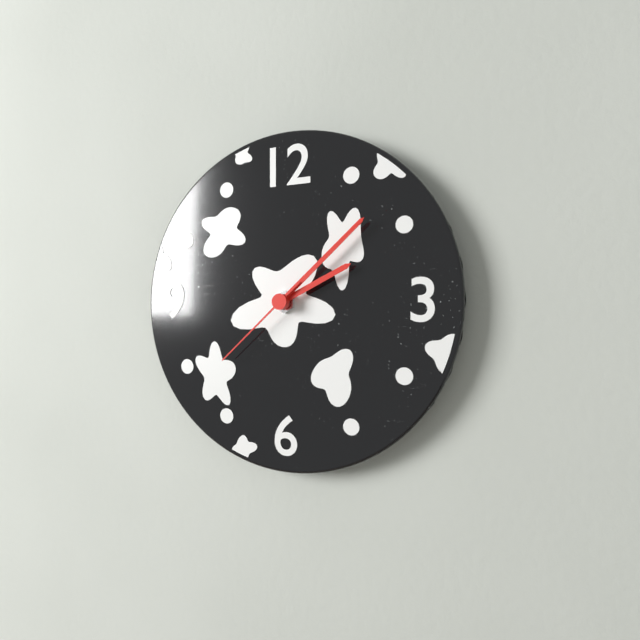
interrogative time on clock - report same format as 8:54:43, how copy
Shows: 2:08:38
